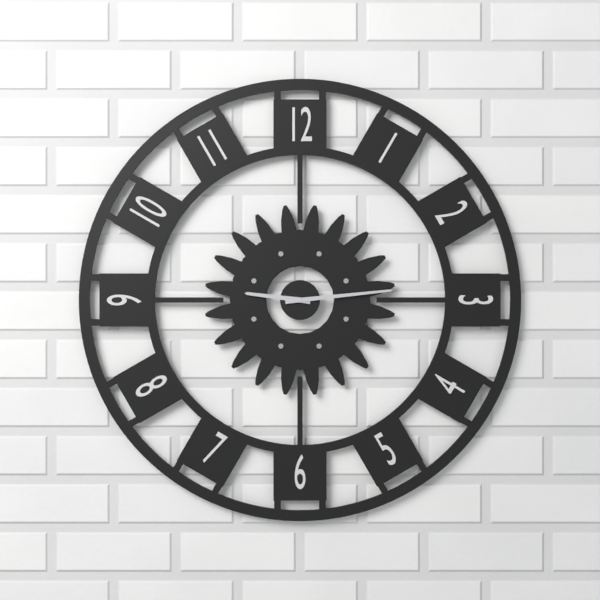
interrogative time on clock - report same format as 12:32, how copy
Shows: 9:14
